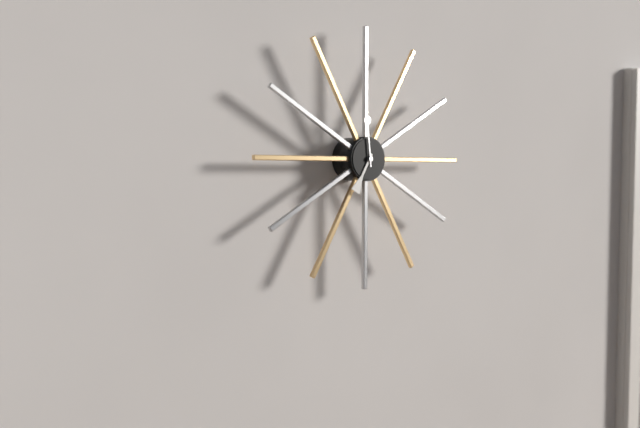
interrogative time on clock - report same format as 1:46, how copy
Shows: 6:59
